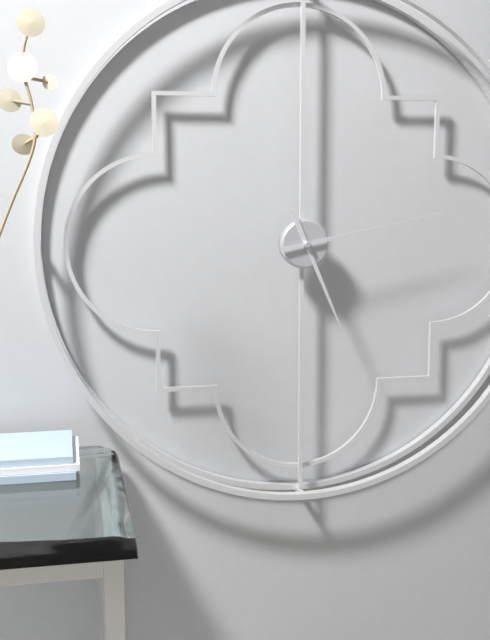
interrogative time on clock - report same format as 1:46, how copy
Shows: 5:13
